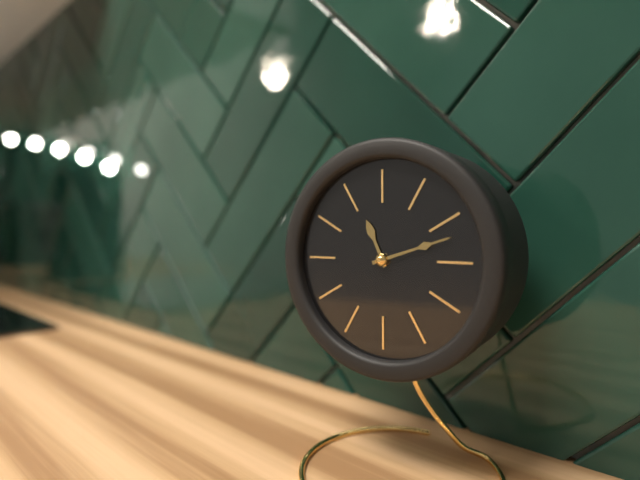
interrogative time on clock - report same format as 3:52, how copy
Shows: 11:12
